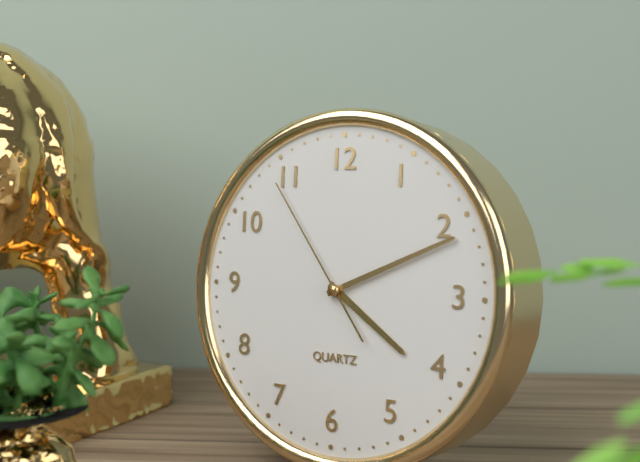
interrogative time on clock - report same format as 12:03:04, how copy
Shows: 4:11:54
